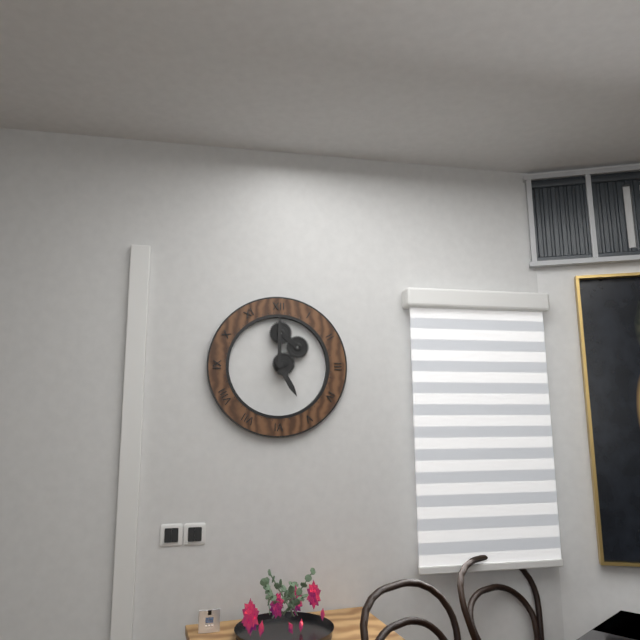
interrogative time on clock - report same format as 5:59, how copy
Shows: 5:00
